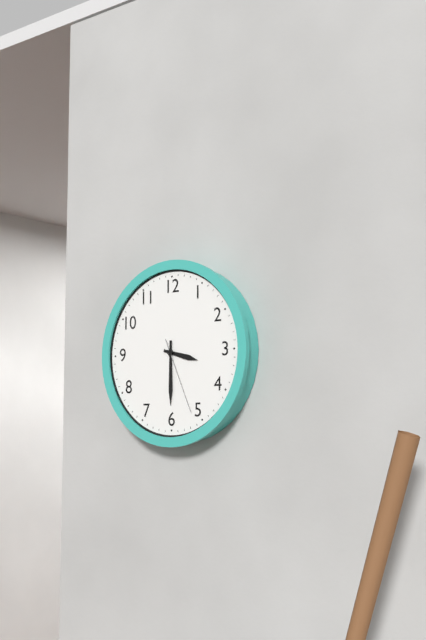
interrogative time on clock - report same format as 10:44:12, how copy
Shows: 3:30:26
